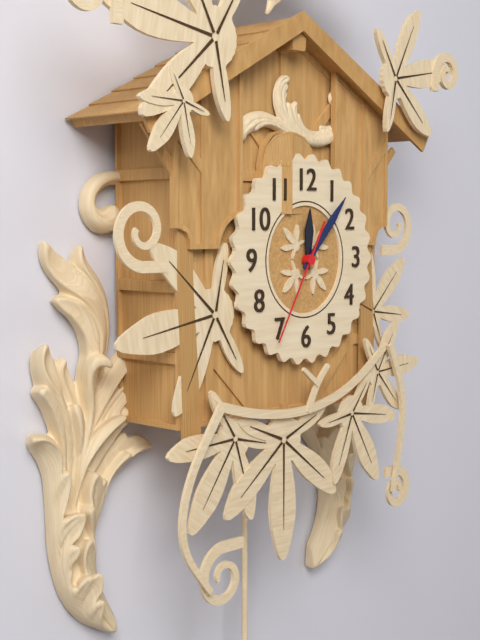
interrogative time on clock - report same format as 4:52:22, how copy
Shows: 12:07:35
